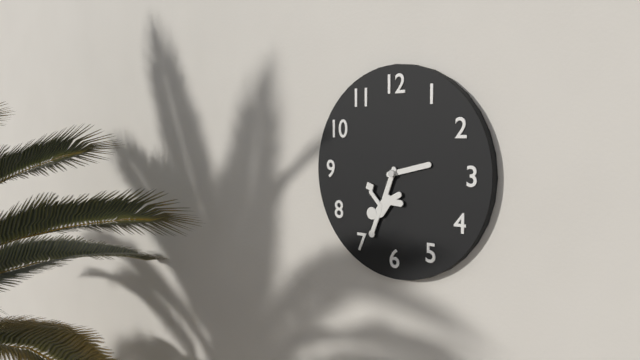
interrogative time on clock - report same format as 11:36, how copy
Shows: 2:33
